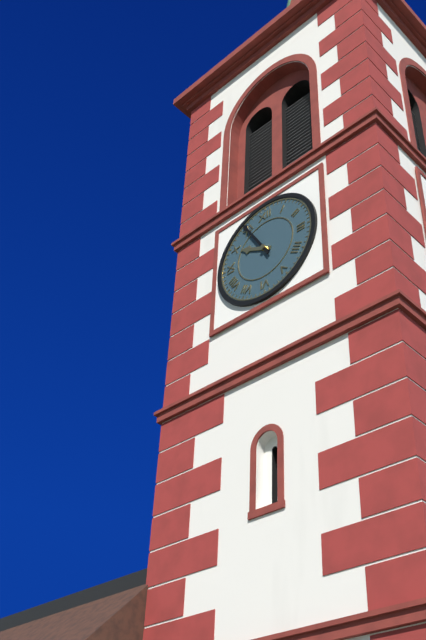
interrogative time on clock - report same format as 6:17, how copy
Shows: 9:55
